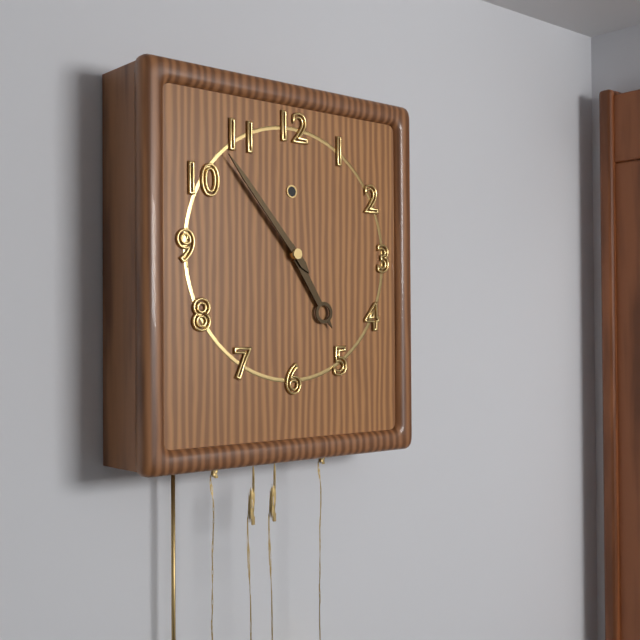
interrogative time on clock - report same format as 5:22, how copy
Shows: 4:53
